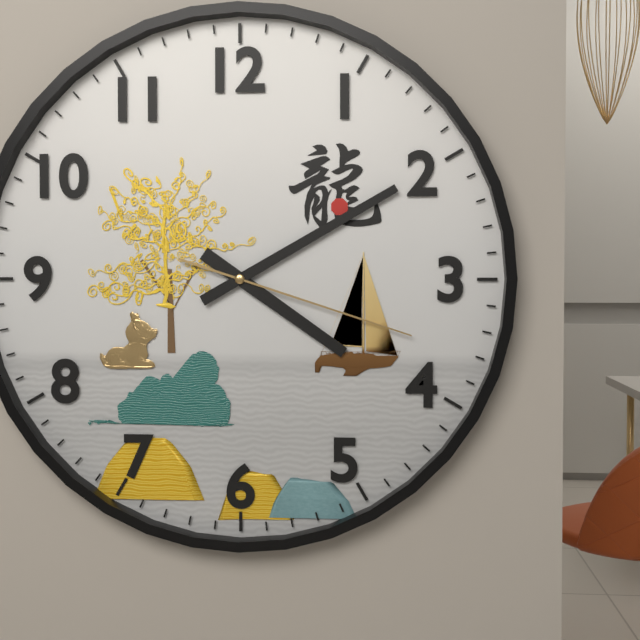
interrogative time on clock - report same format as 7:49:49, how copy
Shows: 4:10:18
